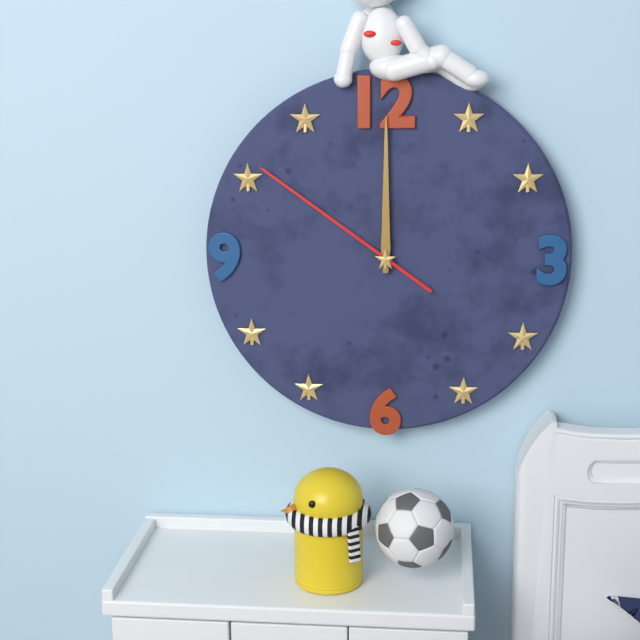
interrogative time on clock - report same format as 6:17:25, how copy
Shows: 12:00:51
